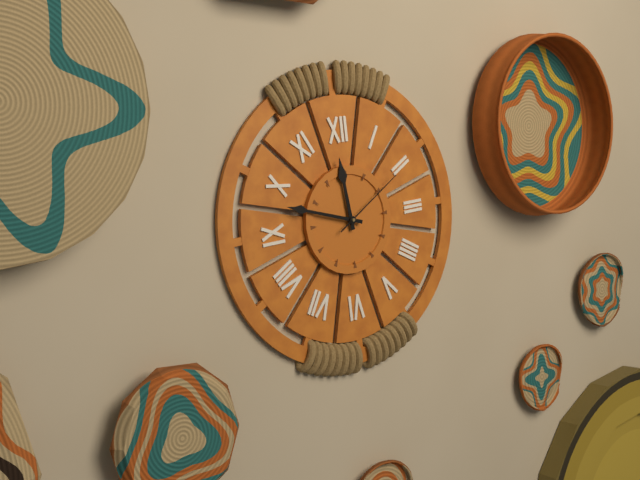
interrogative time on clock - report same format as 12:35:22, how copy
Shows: 11:48:10
